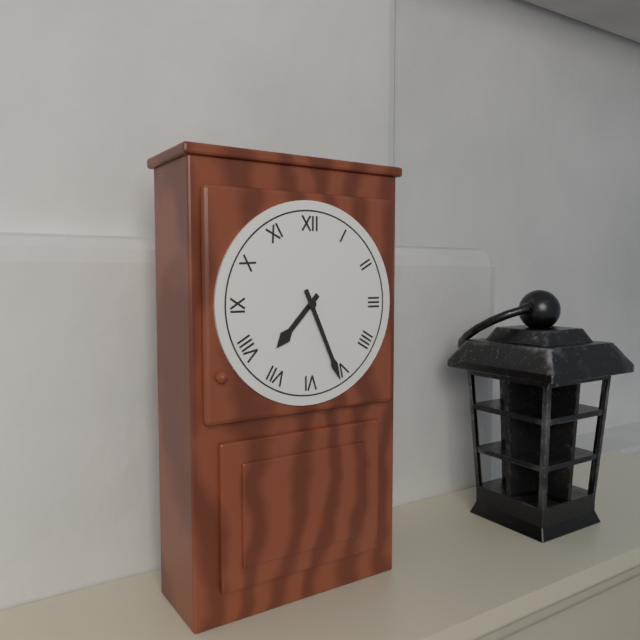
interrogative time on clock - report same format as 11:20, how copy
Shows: 7:26
